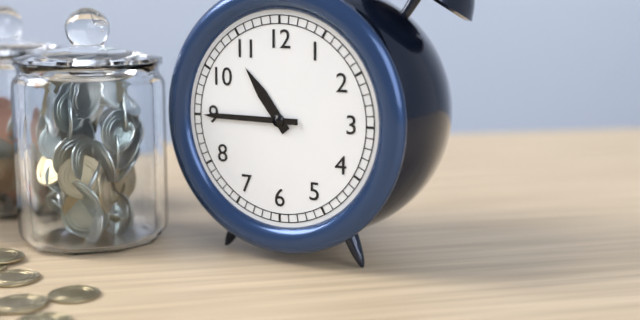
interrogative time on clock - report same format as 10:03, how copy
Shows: 10:45
